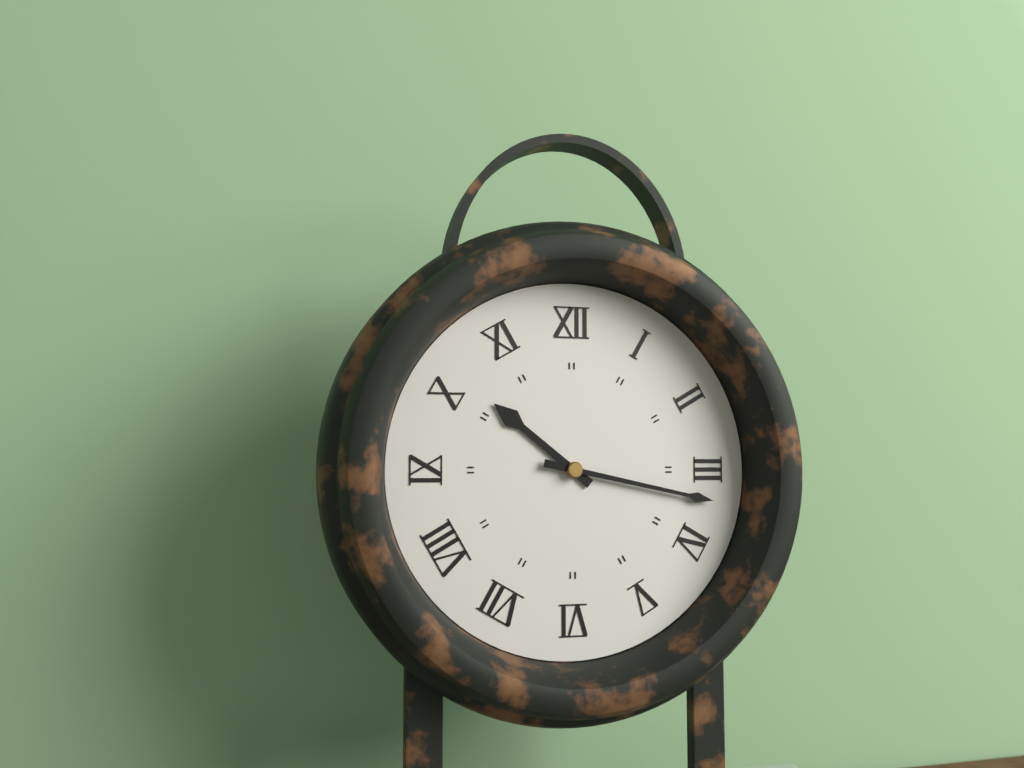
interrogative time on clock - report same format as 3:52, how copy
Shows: 10:17
